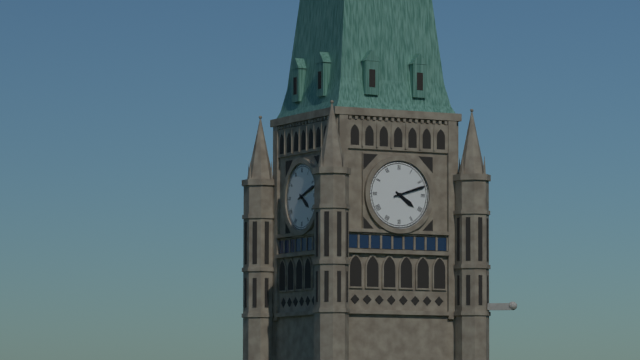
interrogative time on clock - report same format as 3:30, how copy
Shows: 4:12
